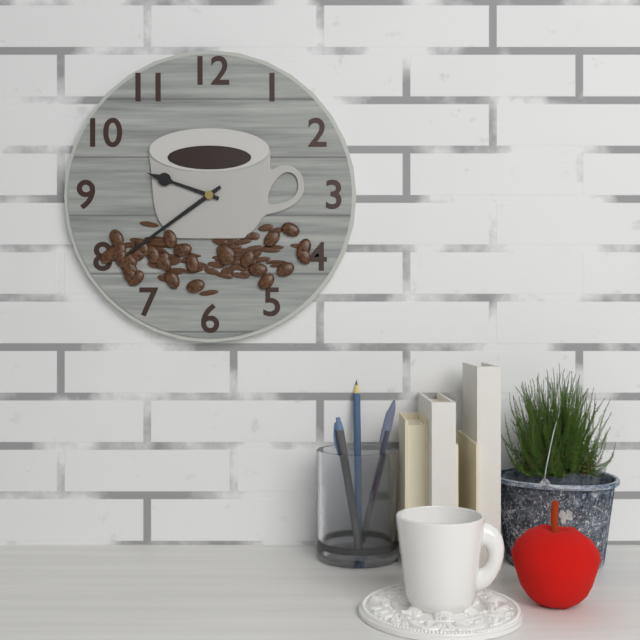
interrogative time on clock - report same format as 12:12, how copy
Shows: 9:39
